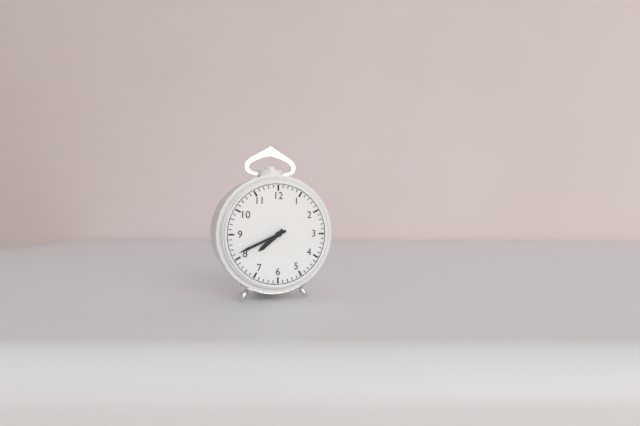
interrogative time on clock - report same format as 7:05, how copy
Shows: 7:41
